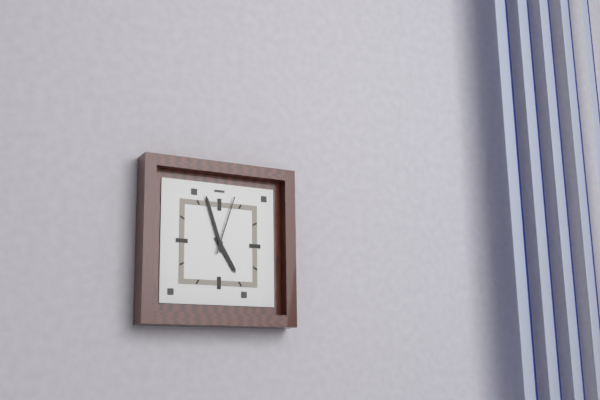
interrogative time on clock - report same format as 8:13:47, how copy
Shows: 4:57:03
